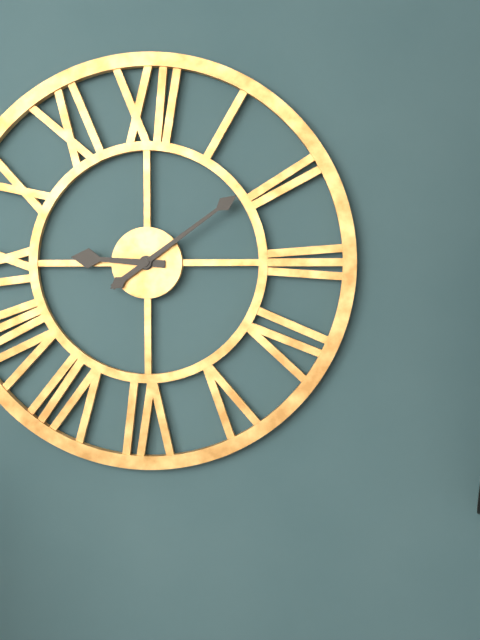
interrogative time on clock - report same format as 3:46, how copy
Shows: 9:09
